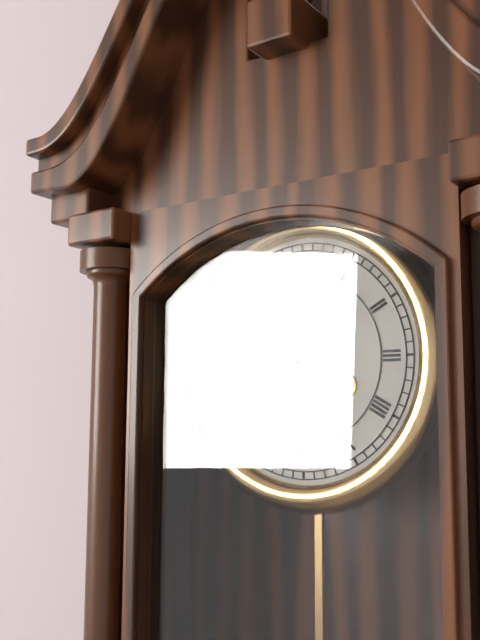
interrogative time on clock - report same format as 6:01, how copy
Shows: 8:02
